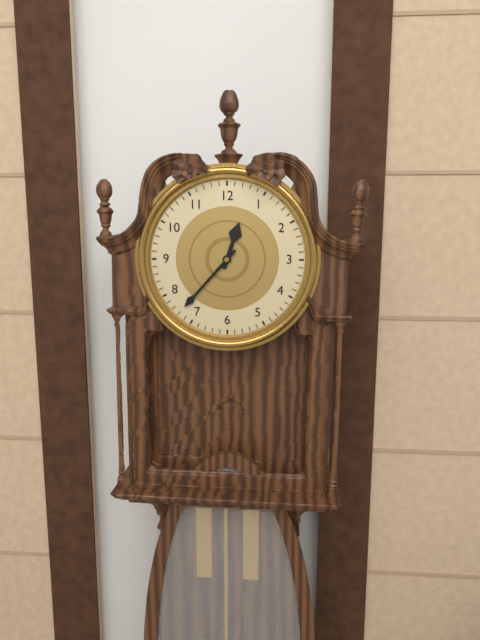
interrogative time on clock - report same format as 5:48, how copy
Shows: 12:37
